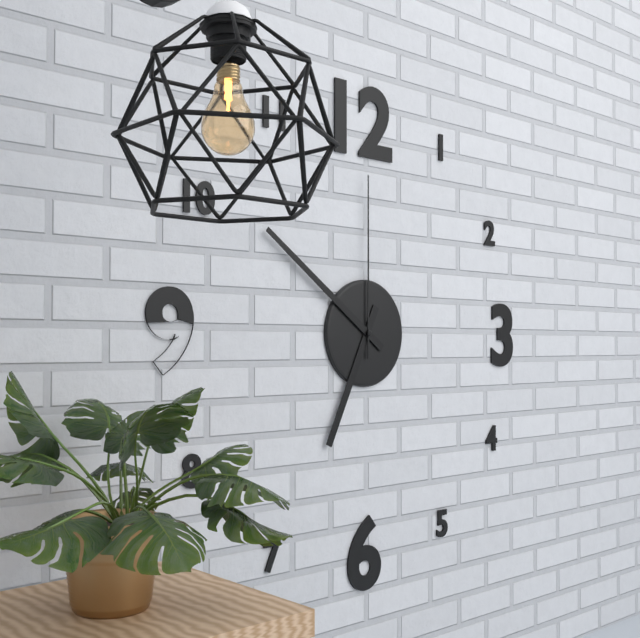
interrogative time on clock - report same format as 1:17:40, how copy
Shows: 6:51:00
